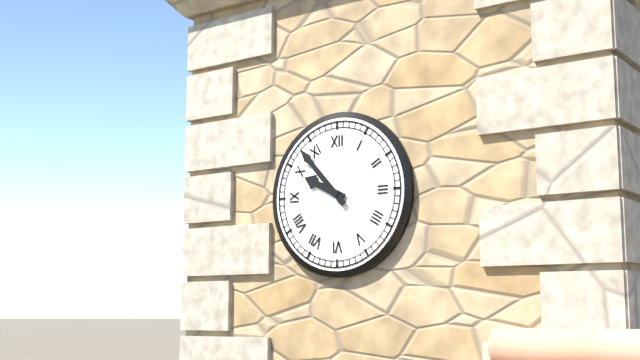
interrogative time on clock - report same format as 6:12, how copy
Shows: 9:53
